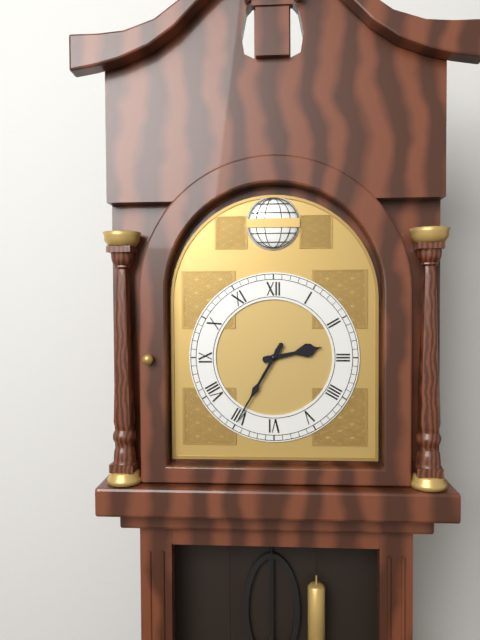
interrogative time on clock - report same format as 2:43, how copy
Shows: 2:35
